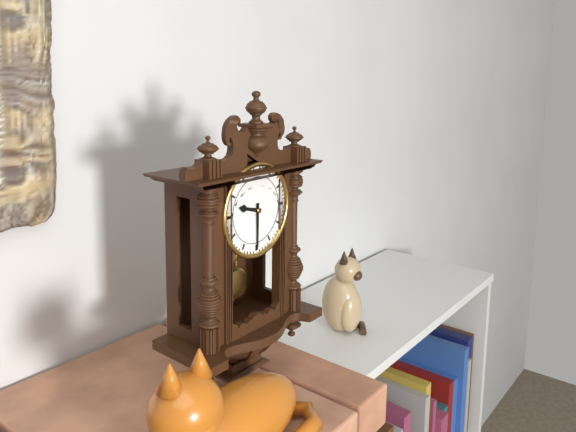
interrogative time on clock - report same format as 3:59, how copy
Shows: 9:30
